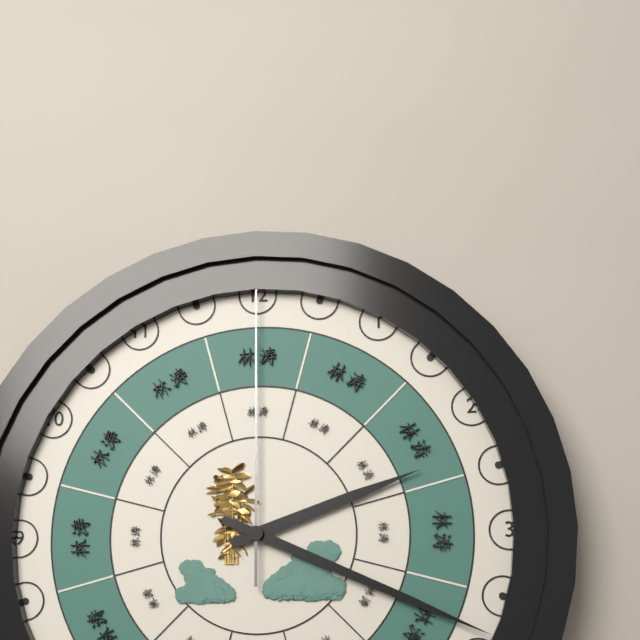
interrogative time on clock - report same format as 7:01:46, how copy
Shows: 2:19:00
